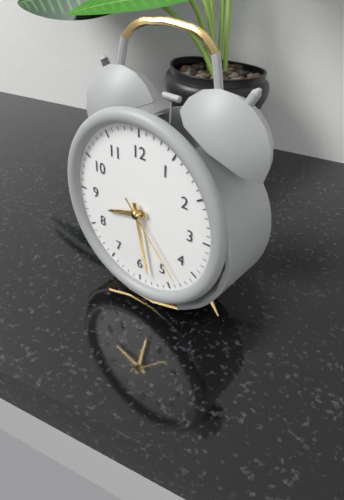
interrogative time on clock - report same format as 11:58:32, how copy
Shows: 8:28:23
